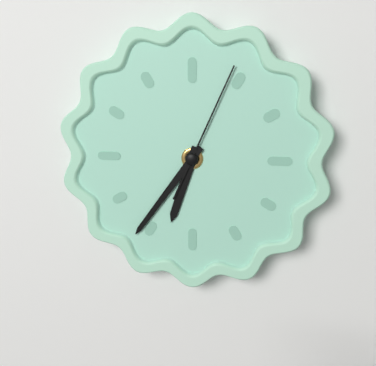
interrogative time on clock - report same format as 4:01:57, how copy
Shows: 6:36:04
